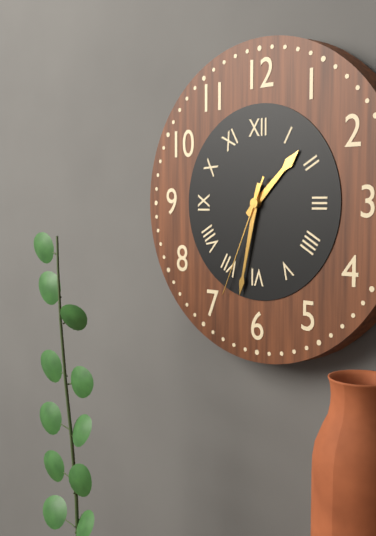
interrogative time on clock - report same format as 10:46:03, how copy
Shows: 1:32:34
